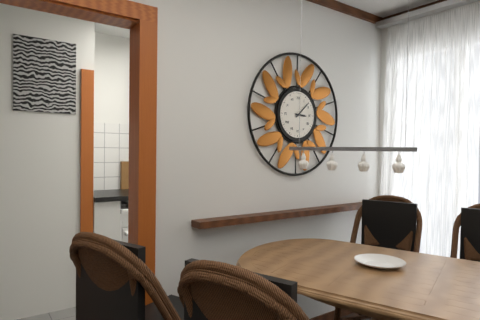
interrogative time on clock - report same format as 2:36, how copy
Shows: 3:08
